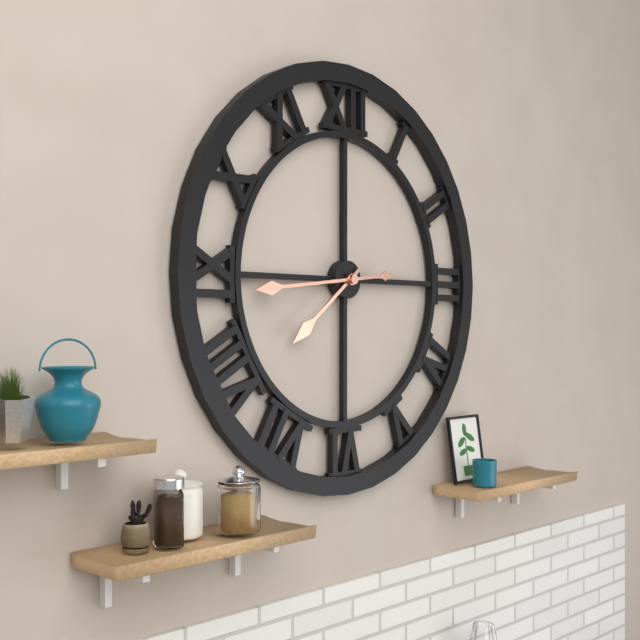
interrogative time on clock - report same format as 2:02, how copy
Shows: 7:44
